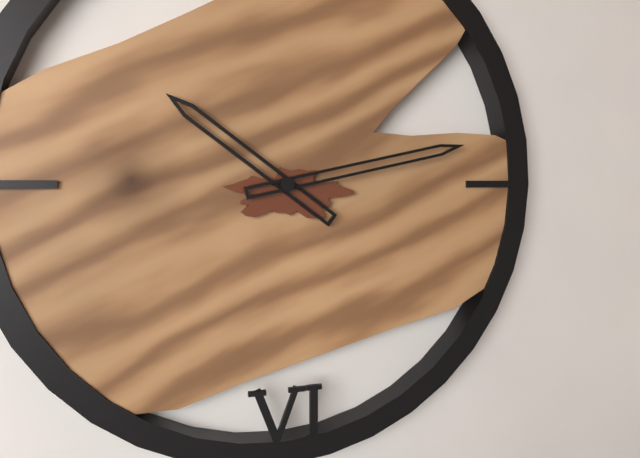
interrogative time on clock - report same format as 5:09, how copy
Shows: 10:13
